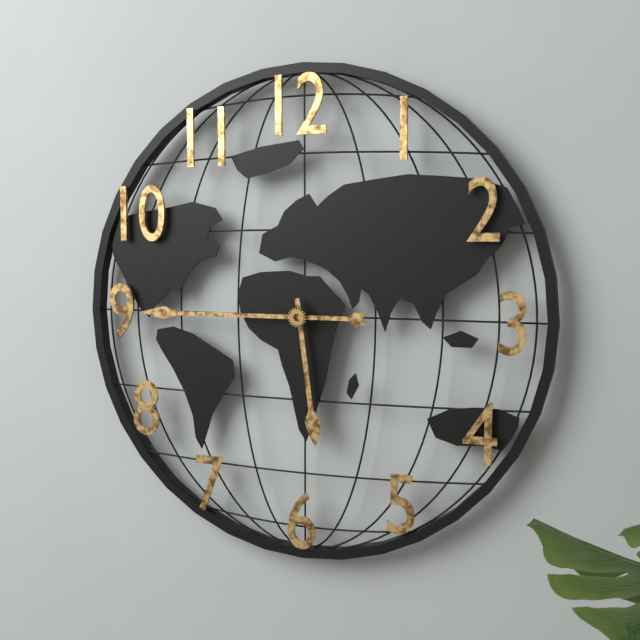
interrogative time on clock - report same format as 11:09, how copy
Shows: 5:45
